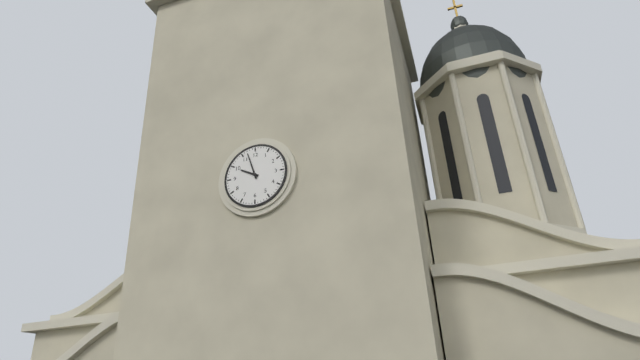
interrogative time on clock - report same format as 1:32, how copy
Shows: 9:57
